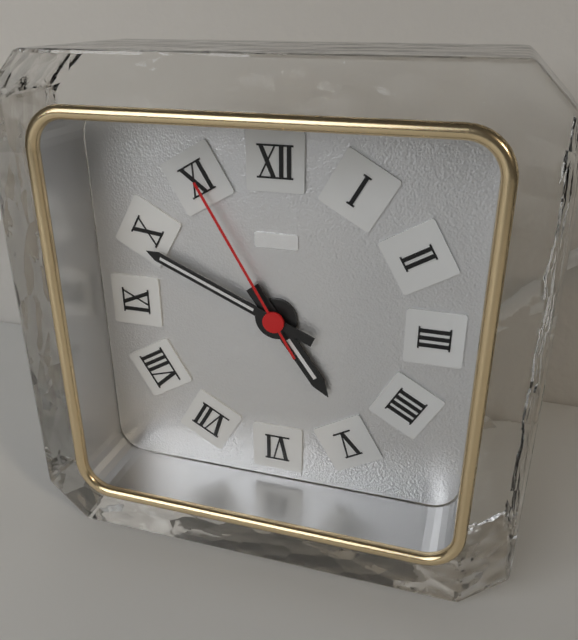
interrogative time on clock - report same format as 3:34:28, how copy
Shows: 4:49:55
